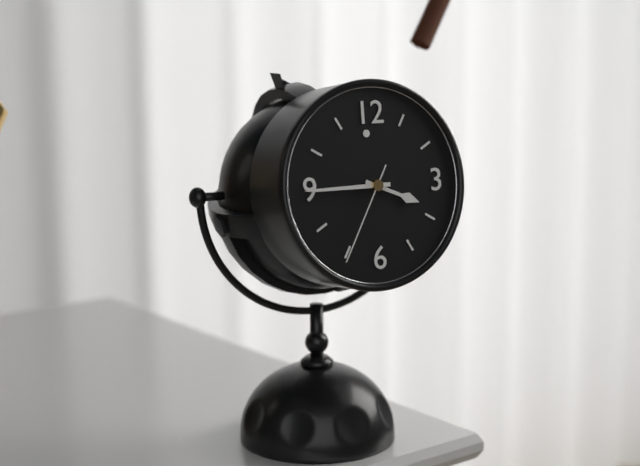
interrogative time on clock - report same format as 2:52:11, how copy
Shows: 3:45:35
